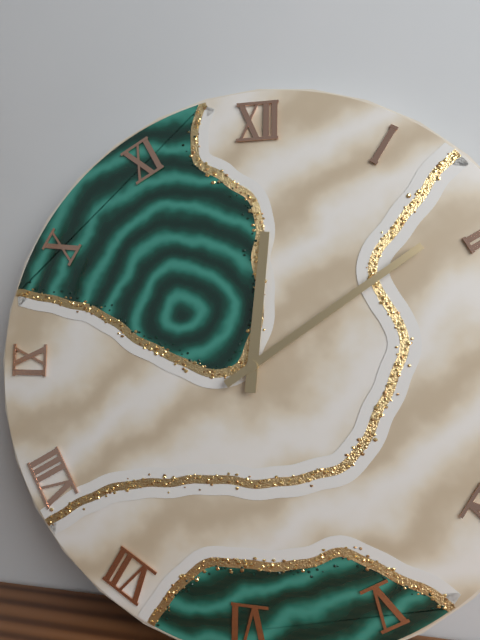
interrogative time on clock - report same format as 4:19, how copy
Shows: 12:09
